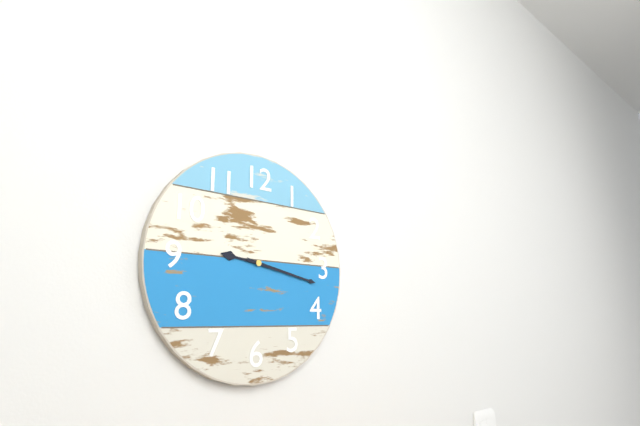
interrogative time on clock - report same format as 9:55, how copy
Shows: 9:17
